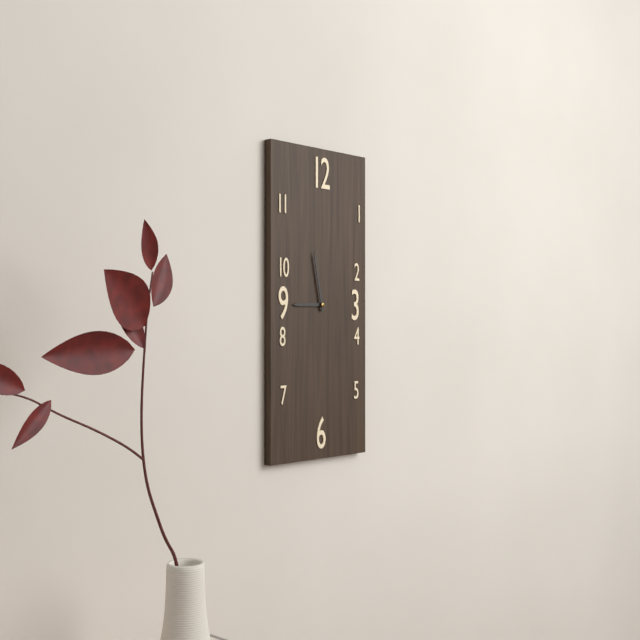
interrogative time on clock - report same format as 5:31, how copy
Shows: 8:58
